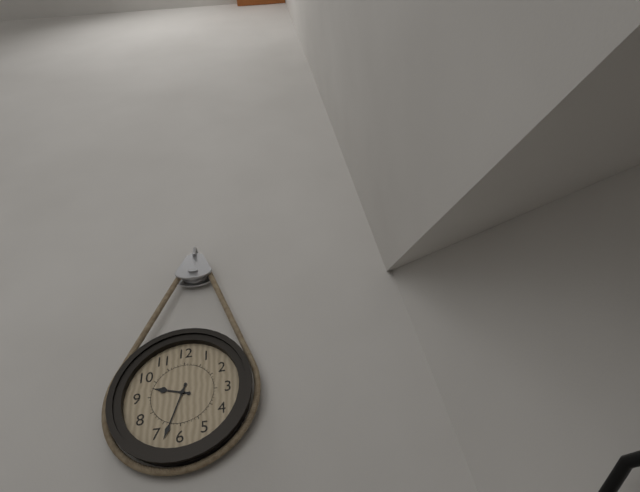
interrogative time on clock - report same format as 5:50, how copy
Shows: 9:33
